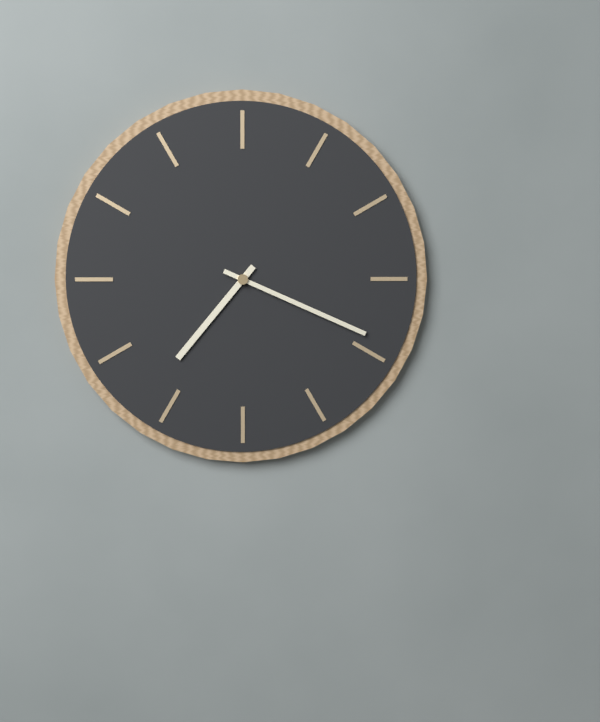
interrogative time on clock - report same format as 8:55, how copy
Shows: 7:19
